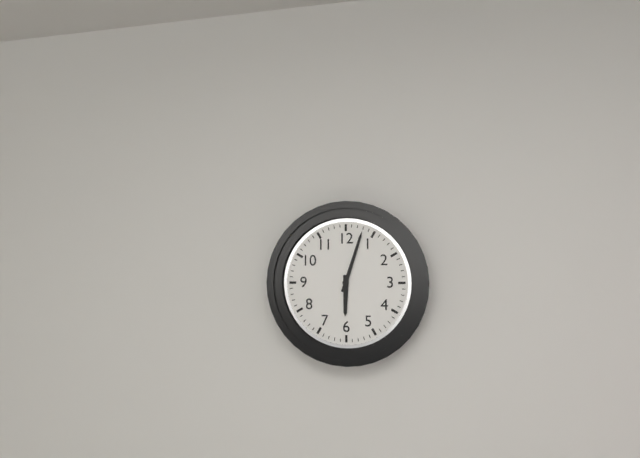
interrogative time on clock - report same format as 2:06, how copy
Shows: 6:03
